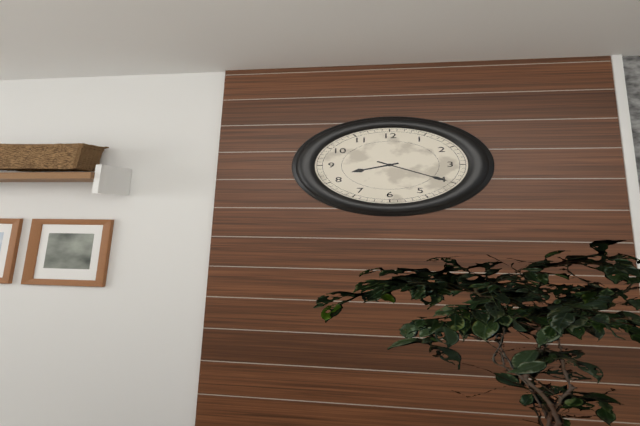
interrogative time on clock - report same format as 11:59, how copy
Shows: 8:20
